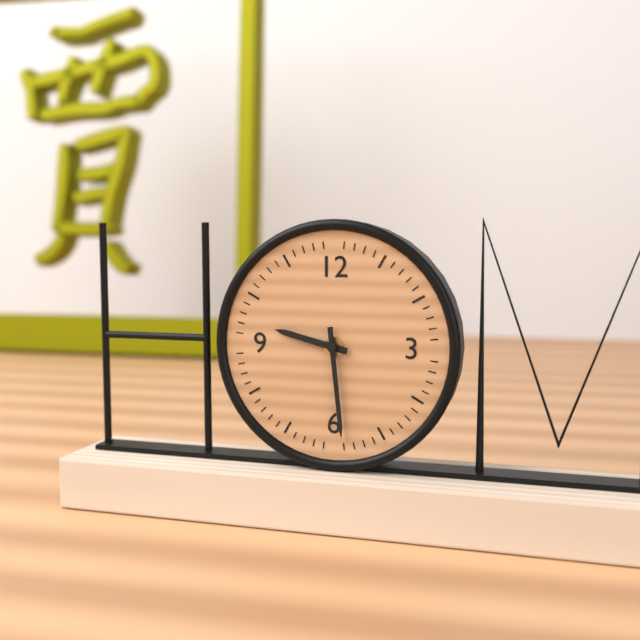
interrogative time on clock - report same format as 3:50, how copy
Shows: 9:29
